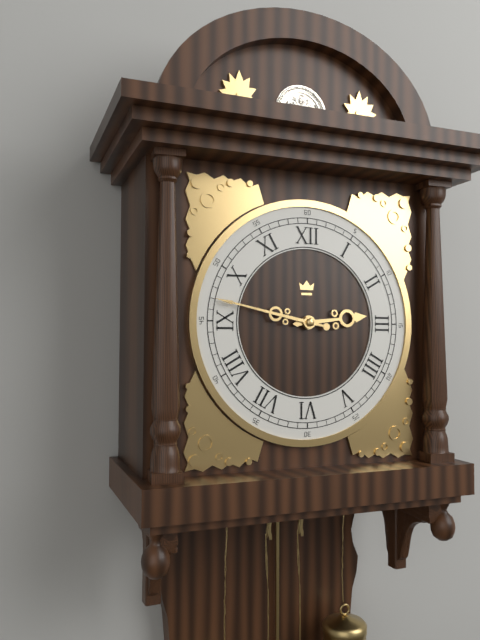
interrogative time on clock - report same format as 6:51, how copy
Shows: 2:47
